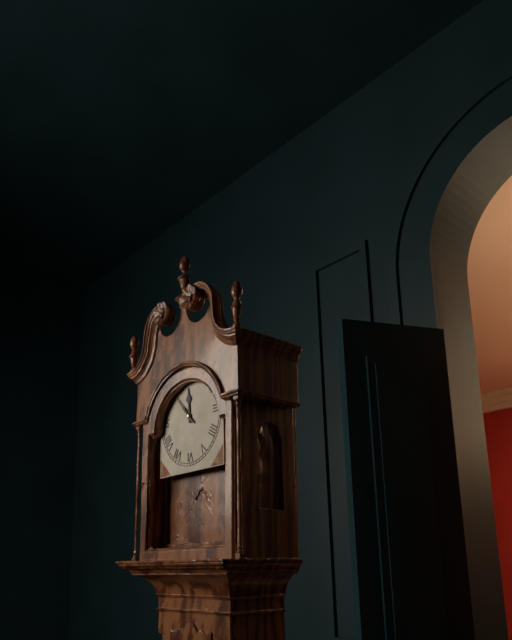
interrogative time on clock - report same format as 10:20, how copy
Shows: 11:53
